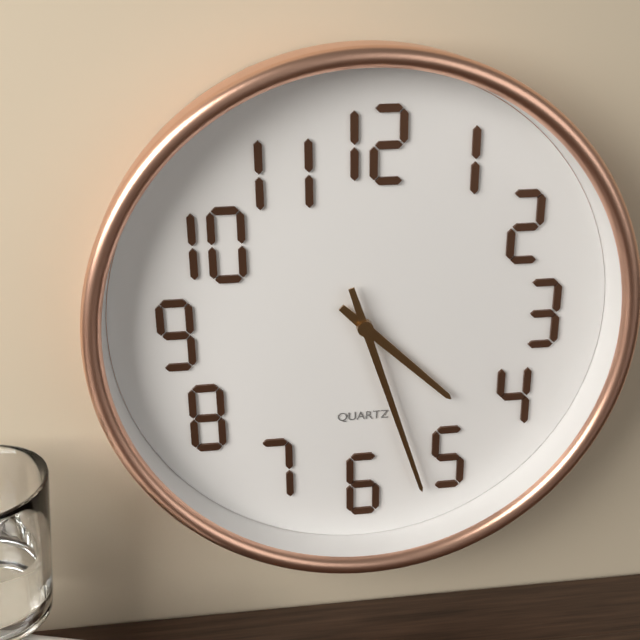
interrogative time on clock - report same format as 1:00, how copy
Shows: 4:27
